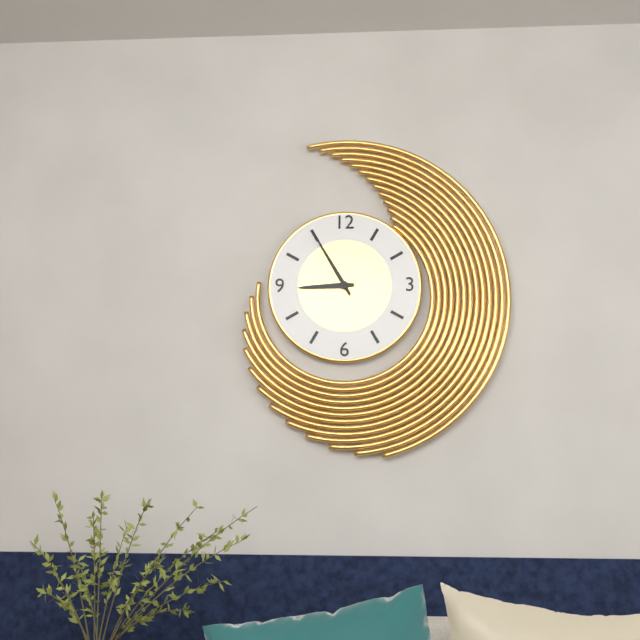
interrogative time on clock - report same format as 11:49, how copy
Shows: 8:55
